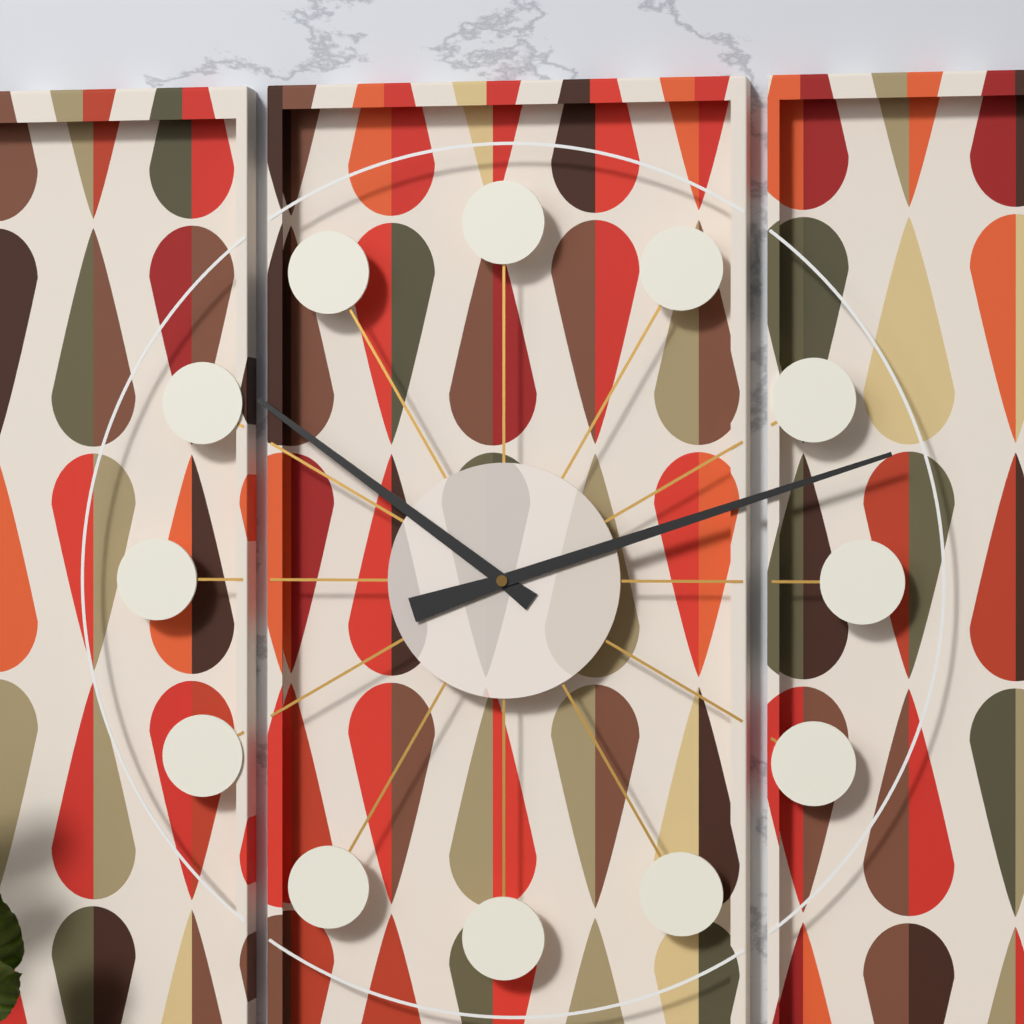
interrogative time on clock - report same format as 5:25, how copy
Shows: 10:12
